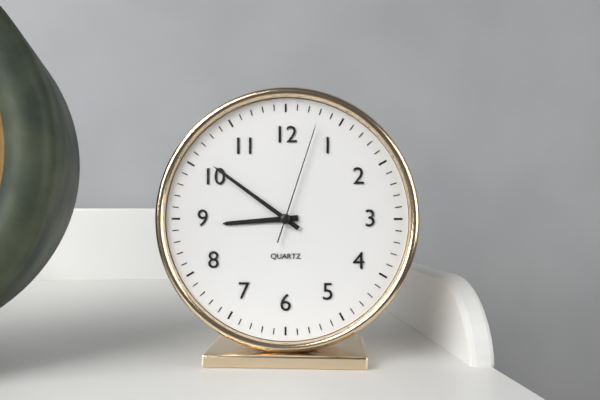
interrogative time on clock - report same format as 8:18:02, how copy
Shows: 8:51:03
